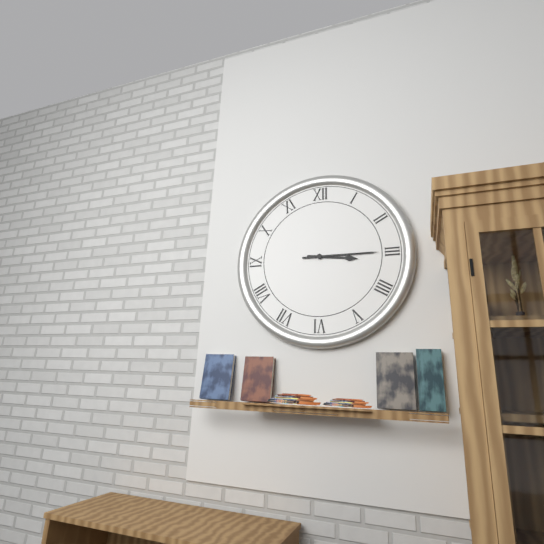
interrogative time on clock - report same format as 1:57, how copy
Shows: 3:15
